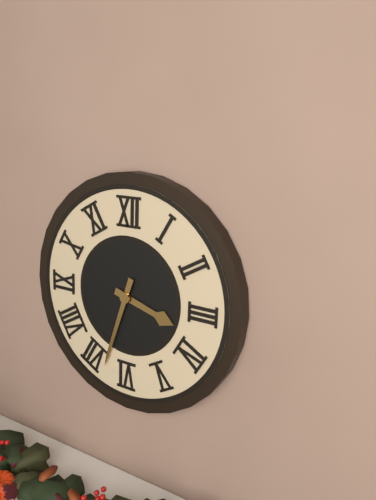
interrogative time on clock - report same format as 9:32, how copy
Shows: 3:33
